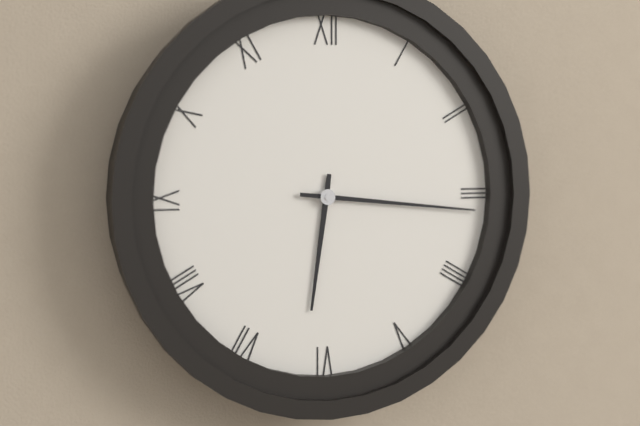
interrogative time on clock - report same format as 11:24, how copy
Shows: 6:16
